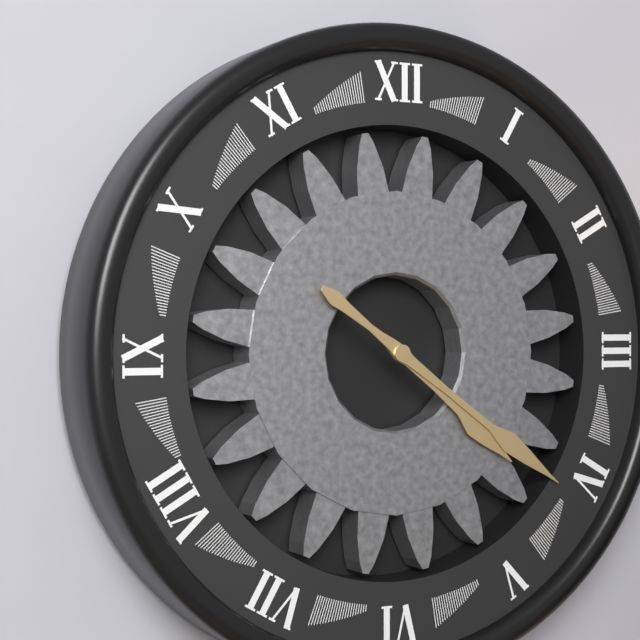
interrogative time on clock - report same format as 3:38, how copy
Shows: 4:21
